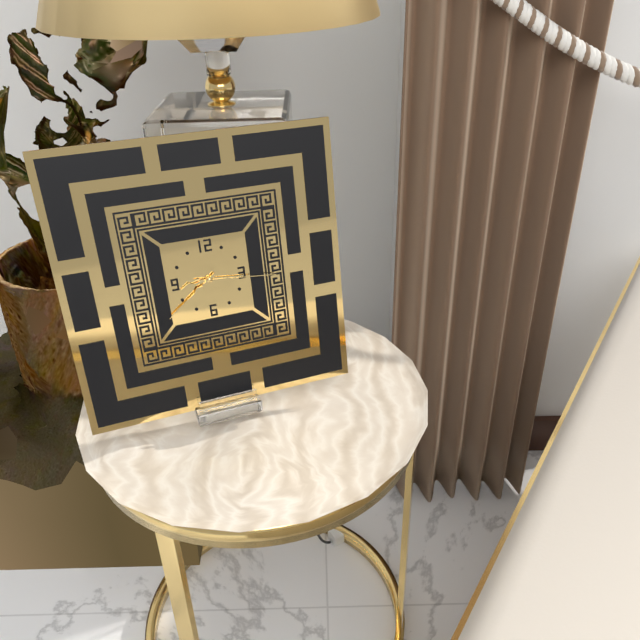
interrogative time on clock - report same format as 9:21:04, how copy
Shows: 8:39:16
